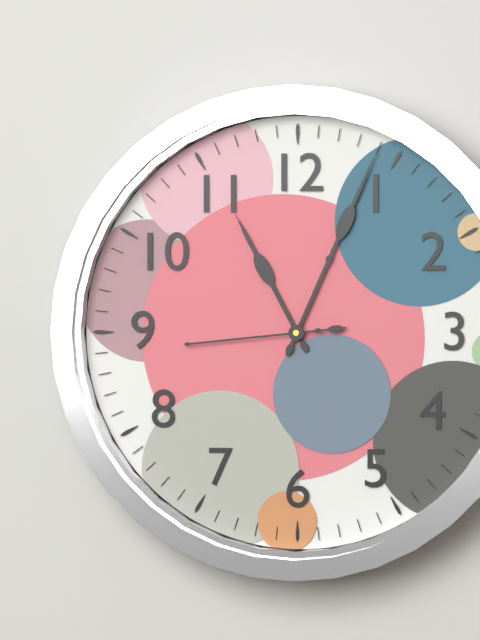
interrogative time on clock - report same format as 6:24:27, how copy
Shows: 11:04:44
